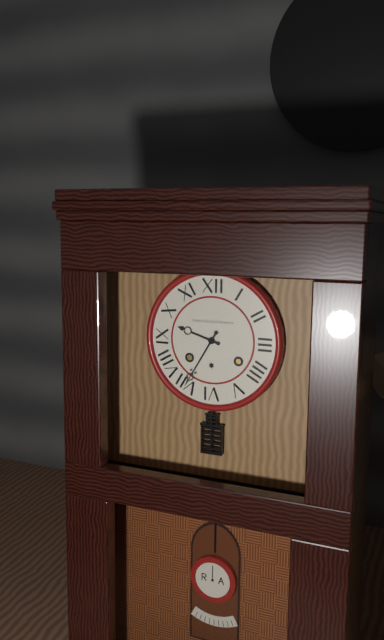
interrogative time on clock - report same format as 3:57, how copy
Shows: 9:35
